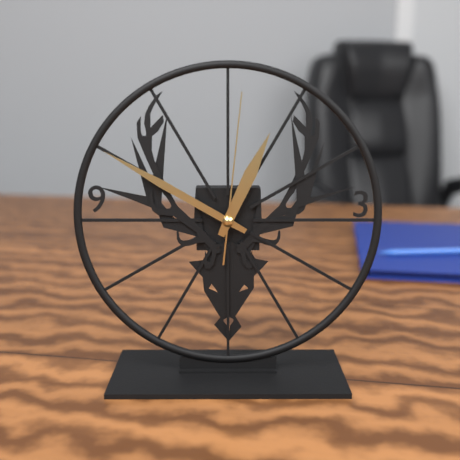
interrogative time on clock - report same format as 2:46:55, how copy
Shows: 12:50:01
